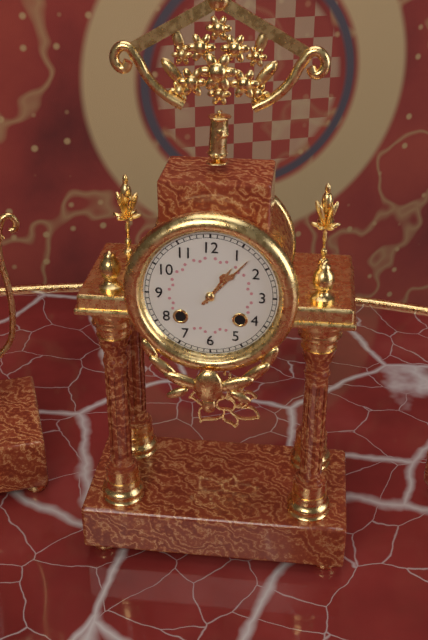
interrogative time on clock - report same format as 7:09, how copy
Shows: 1:07
